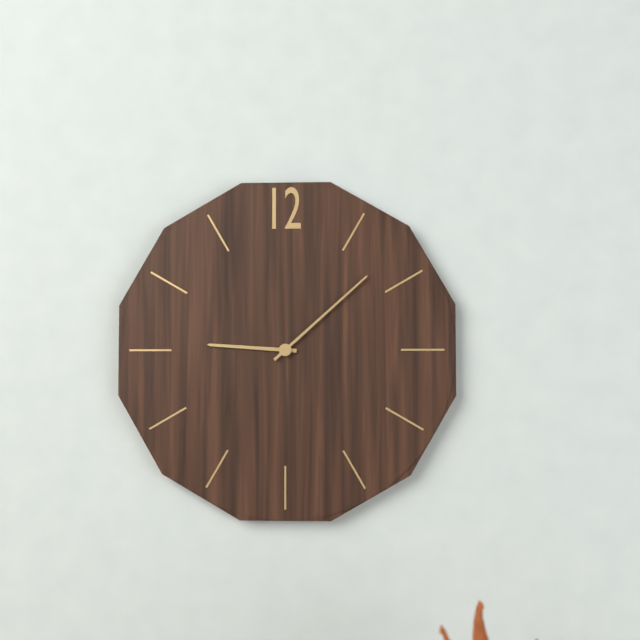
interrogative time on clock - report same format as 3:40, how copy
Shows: 9:08
